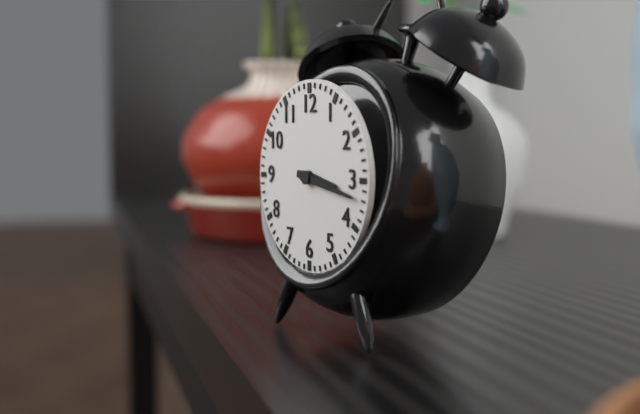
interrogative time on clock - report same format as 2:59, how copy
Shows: 3:17
